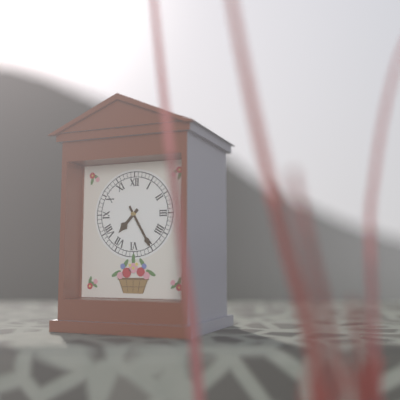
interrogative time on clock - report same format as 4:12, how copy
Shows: 7:25
